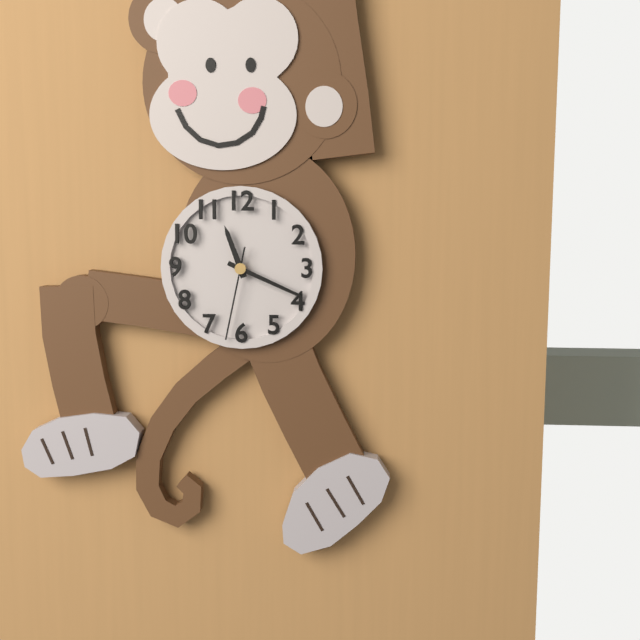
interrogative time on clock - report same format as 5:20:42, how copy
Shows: 11:19:32
